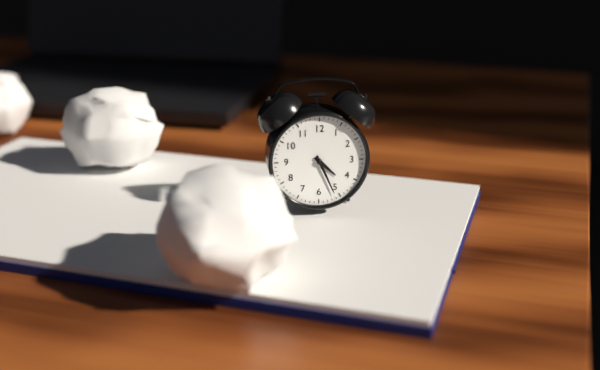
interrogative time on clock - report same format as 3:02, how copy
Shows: 4:26
